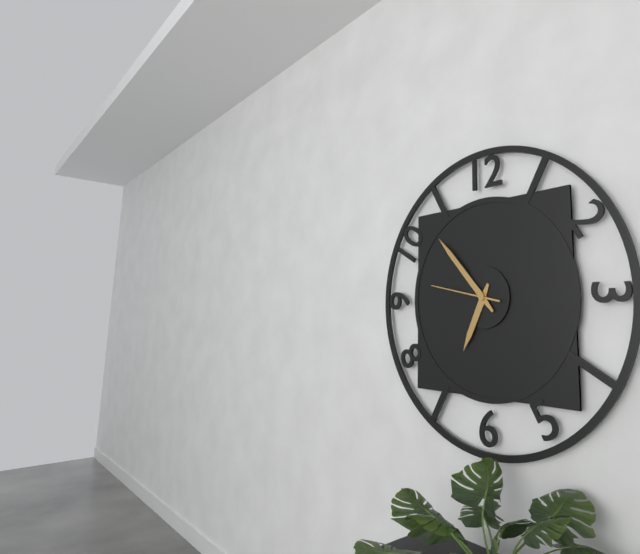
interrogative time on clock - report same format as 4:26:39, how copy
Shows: 6:53:47
